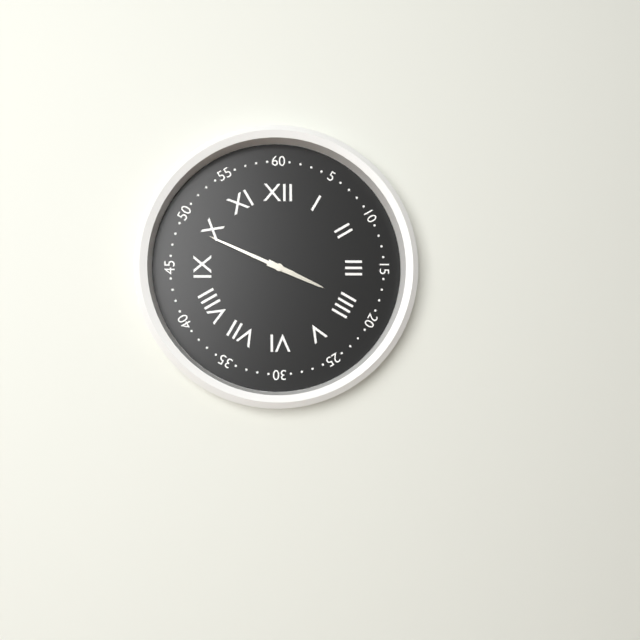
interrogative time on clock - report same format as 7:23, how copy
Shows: 3:49
